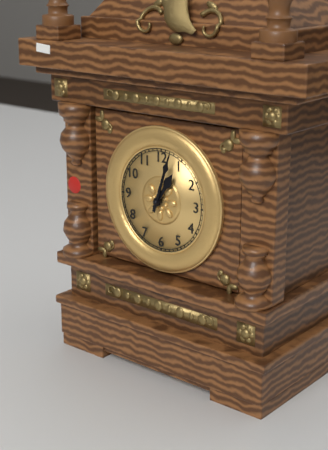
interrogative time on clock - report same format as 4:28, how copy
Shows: 1:03
